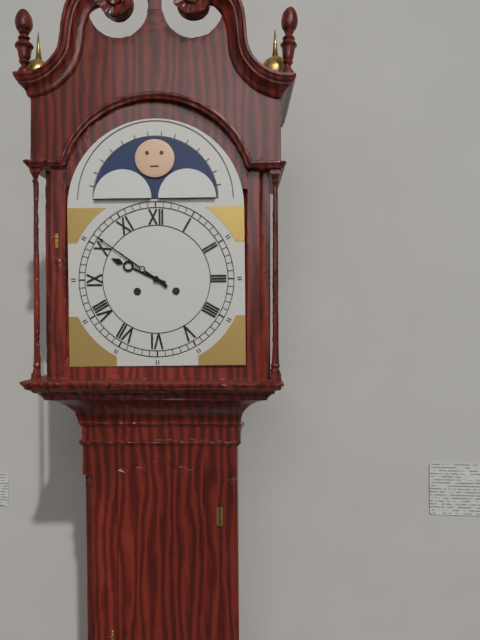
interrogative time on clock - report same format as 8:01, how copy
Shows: 9:51
